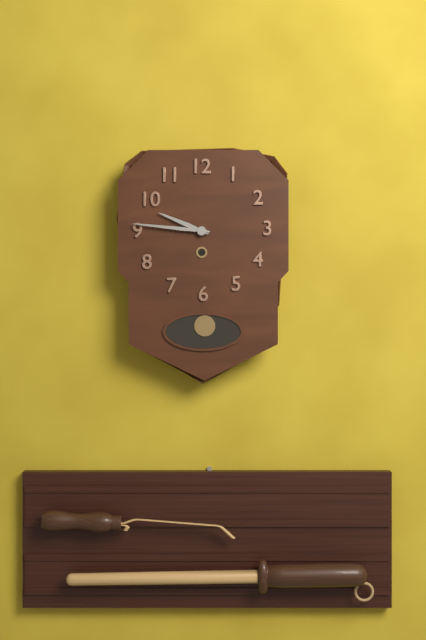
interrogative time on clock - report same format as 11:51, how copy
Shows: 9:46
